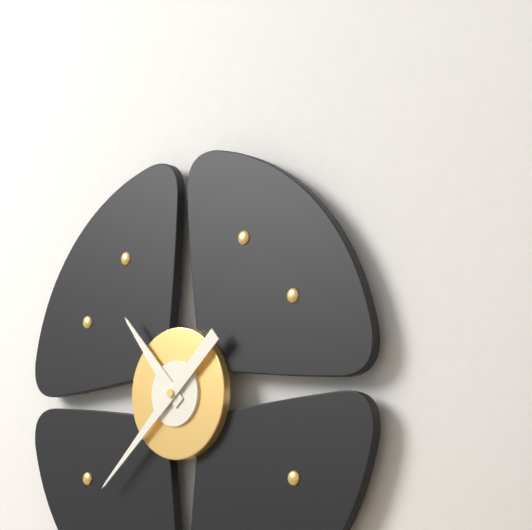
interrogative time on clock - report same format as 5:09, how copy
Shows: 10:38
